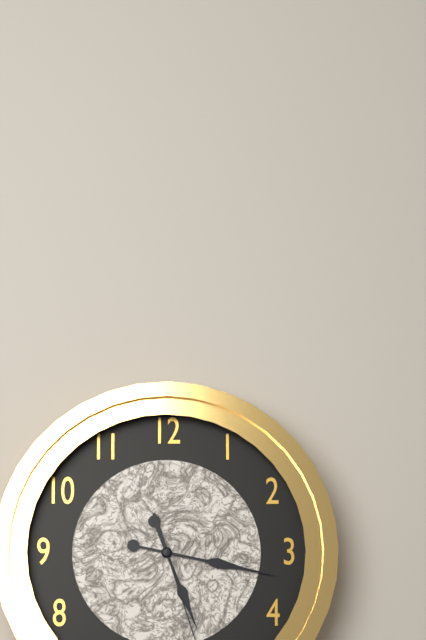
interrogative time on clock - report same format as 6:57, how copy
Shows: 5:17
